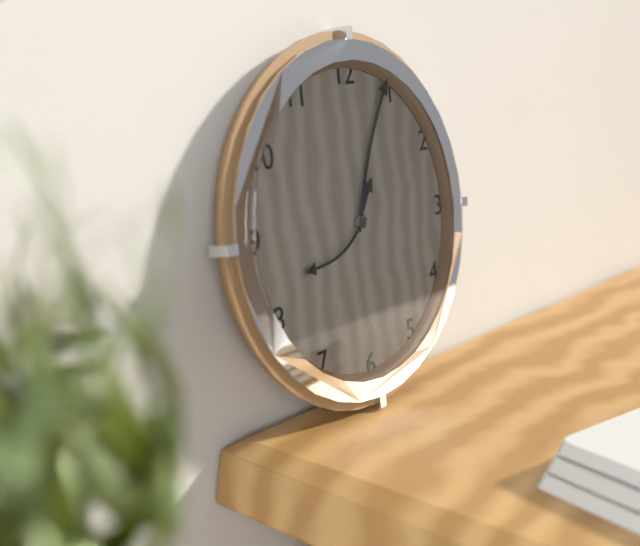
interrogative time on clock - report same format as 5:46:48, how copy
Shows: 1:04:41
